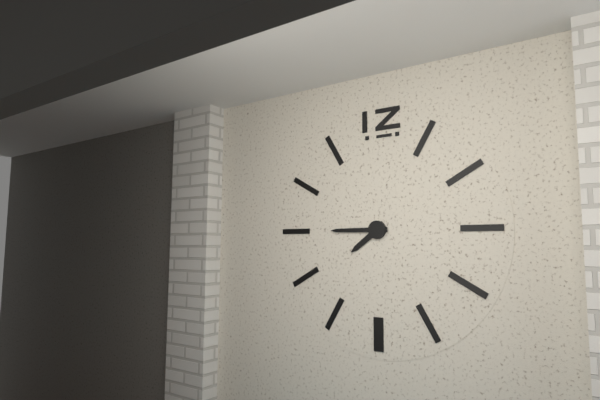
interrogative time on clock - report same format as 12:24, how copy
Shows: 7:45
